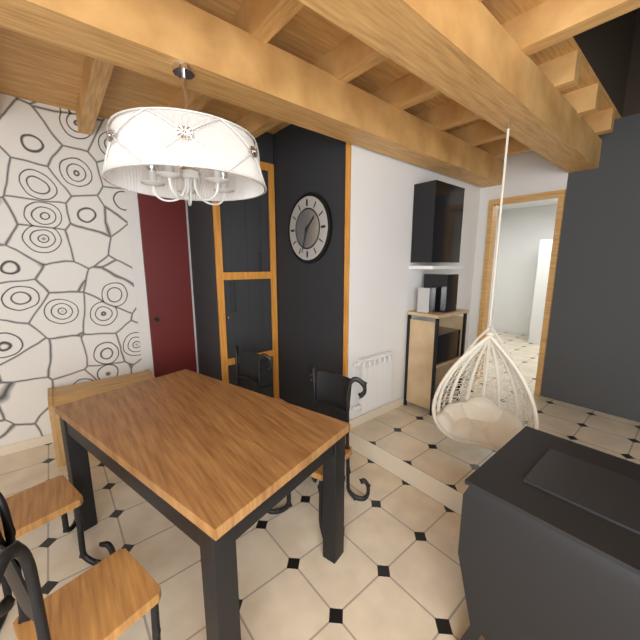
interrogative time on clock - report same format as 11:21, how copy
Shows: 1:33
